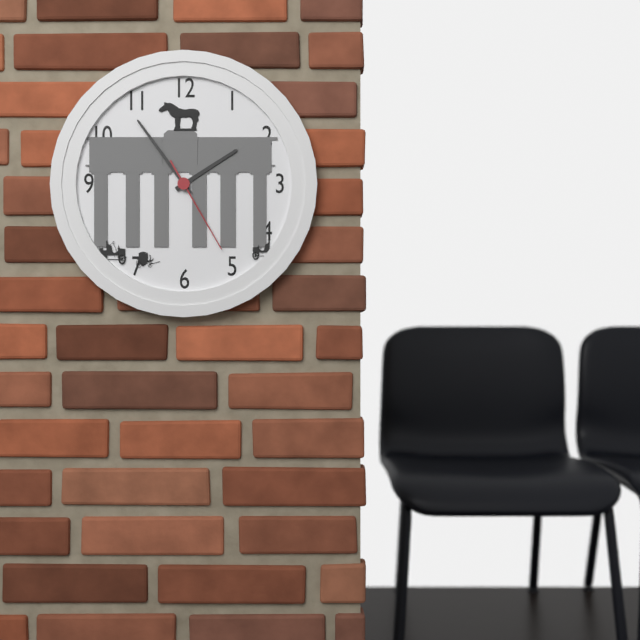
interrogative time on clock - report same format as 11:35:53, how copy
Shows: 1:54:25
